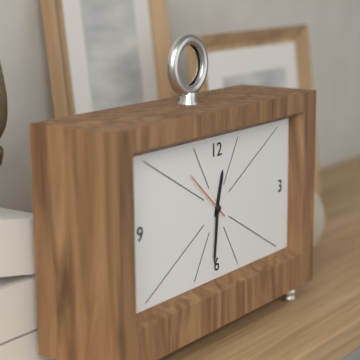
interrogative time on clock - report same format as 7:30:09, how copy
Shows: 12:31:52
